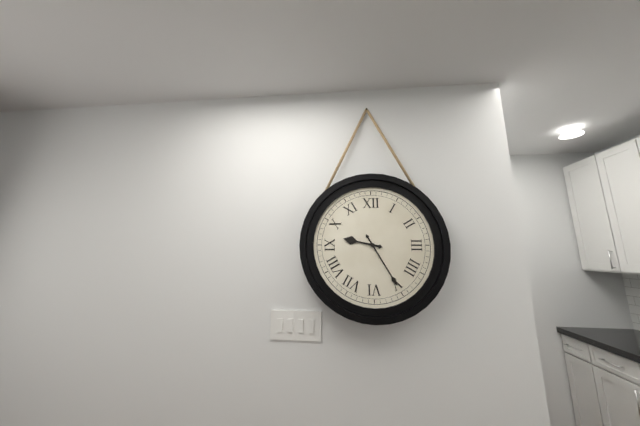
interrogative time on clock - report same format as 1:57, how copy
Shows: 9:25
